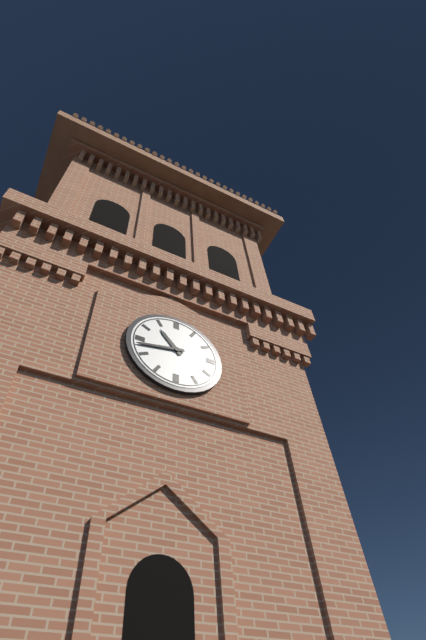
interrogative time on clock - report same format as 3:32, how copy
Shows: 10:43
